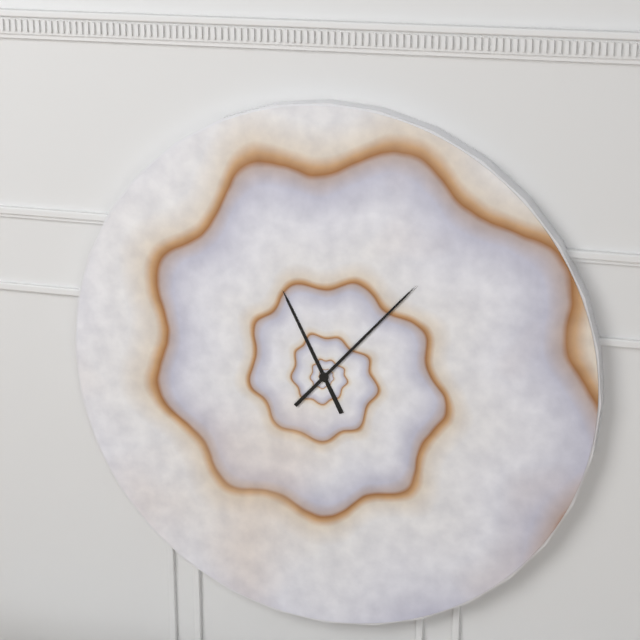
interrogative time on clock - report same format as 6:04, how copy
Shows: 11:07
